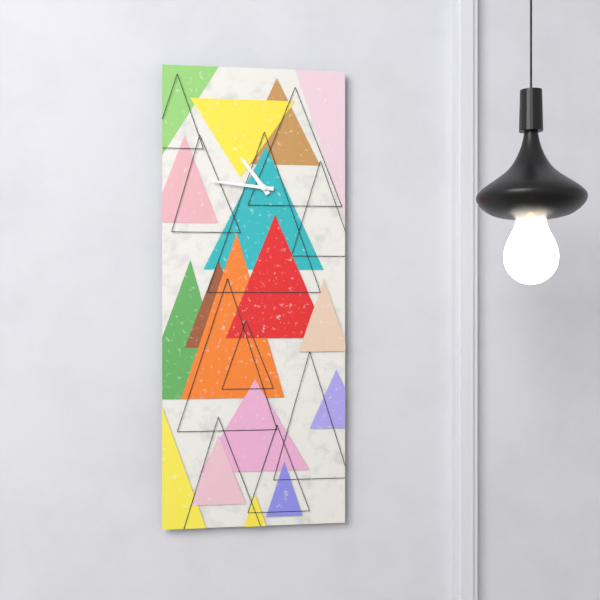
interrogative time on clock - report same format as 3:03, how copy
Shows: 10:46
